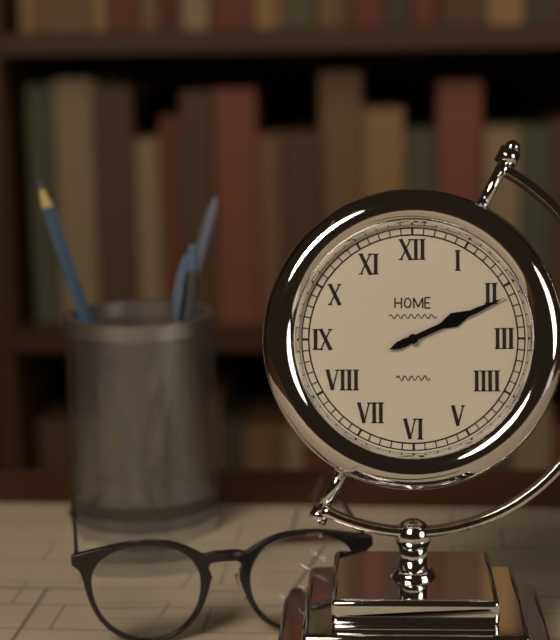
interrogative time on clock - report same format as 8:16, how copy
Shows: 2:11
